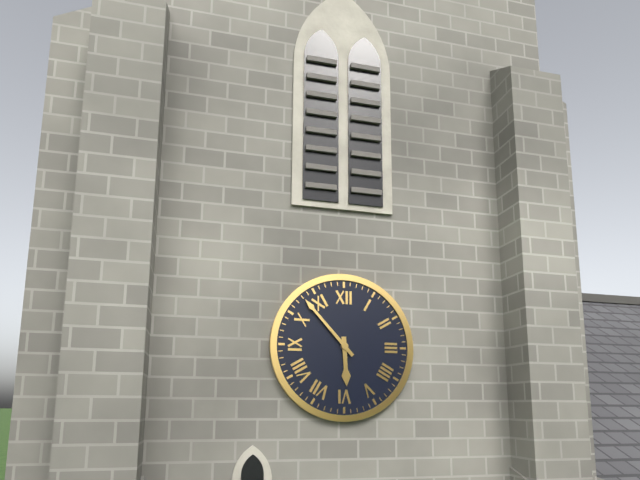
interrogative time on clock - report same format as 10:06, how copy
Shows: 5:53
